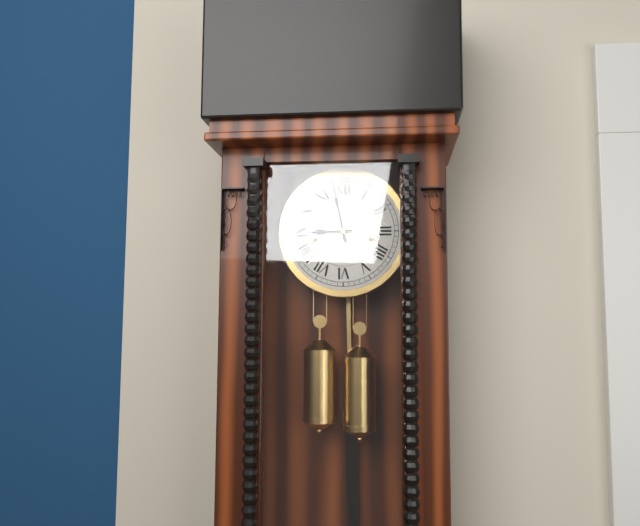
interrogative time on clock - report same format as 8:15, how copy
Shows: 8:58
